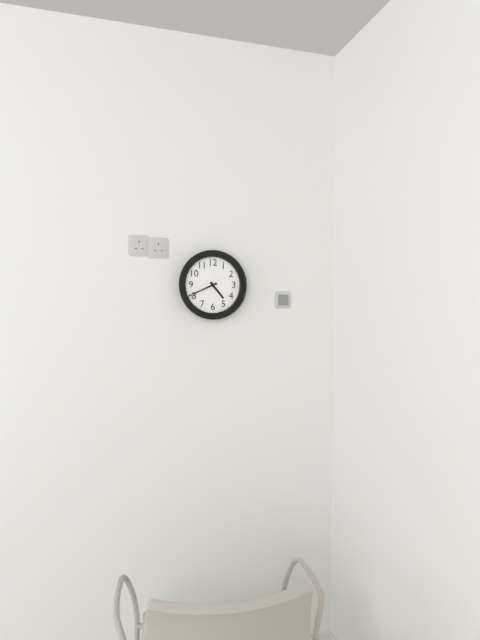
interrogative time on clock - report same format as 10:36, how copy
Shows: 4:41
